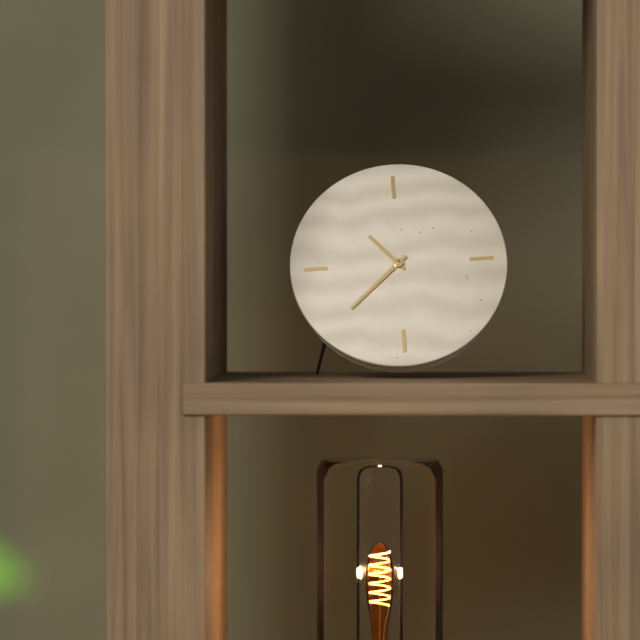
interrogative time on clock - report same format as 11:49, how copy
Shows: 10:38
